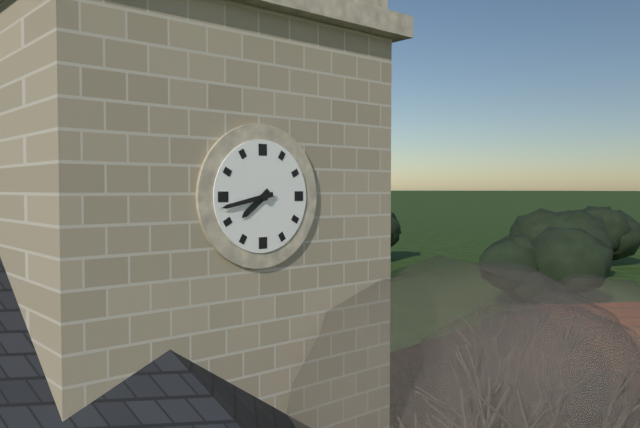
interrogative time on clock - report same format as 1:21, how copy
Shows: 7:43
